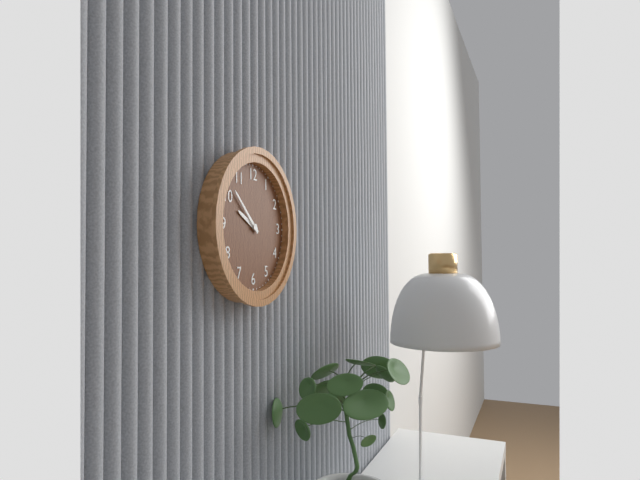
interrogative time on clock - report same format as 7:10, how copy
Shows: 9:52
